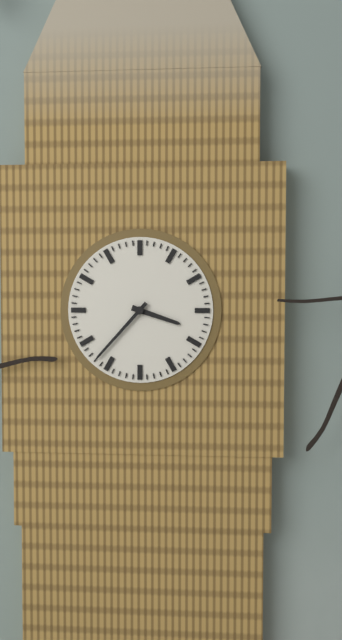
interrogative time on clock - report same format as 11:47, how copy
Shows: 3:37
